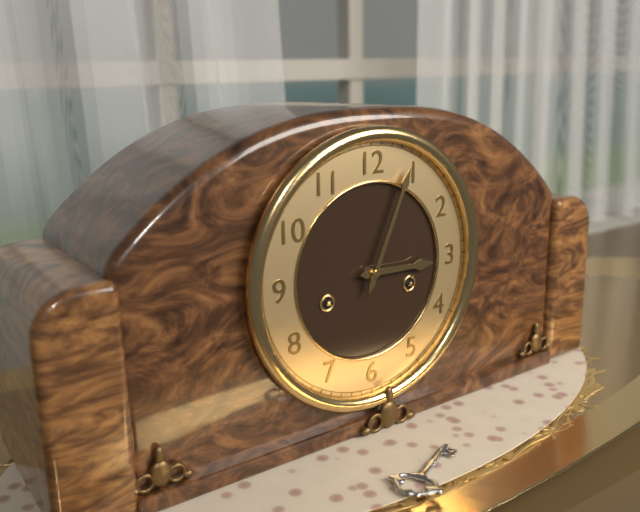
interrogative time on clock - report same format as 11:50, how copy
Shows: 3:04
